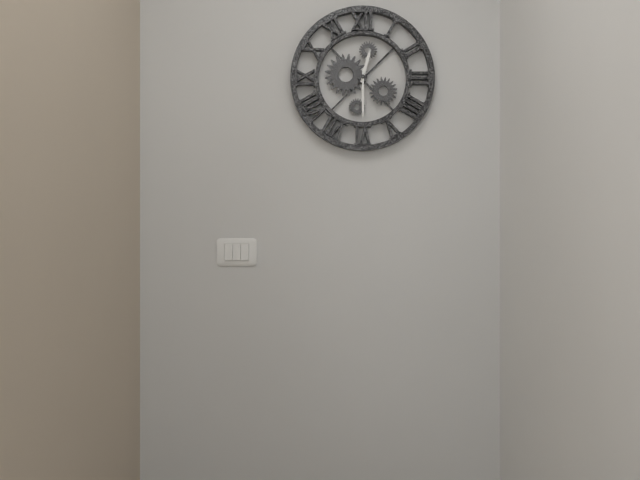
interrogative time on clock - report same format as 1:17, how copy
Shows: 12:30
